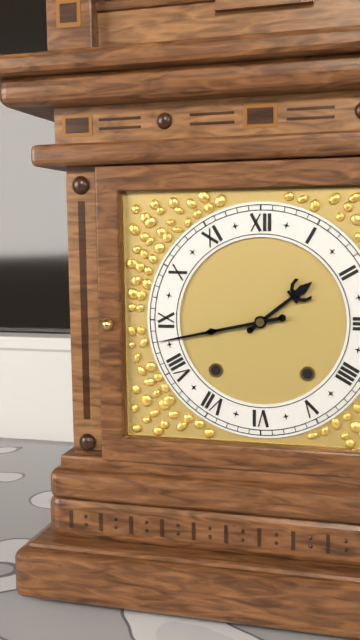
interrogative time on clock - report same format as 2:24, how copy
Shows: 1:43
